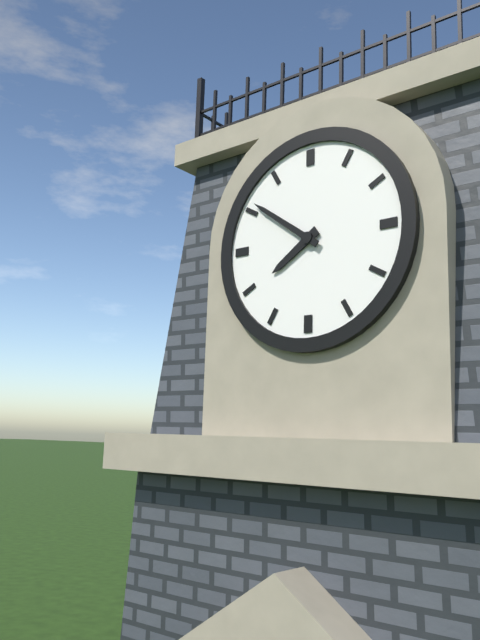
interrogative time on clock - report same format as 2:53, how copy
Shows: 7:51
